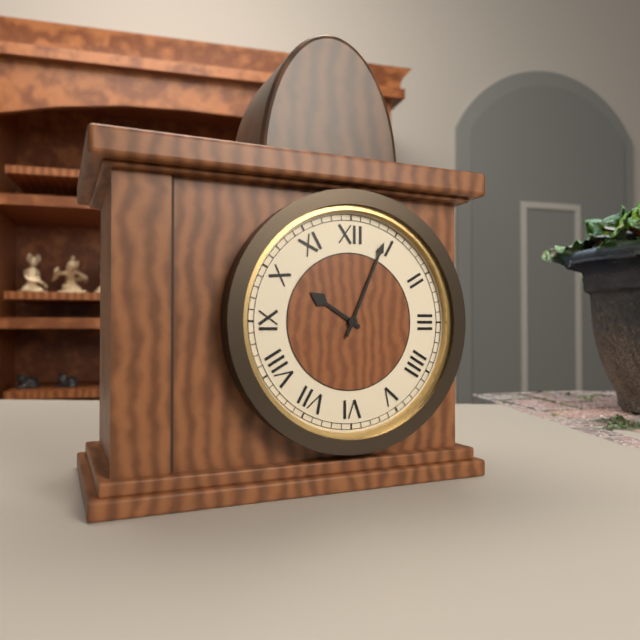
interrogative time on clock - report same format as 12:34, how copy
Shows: 10:04
